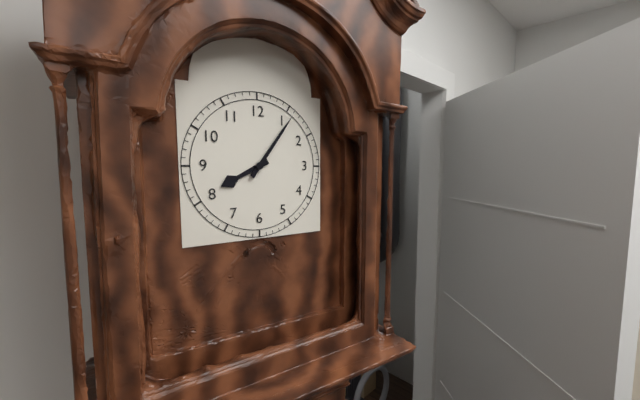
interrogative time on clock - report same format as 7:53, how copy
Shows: 8:06
